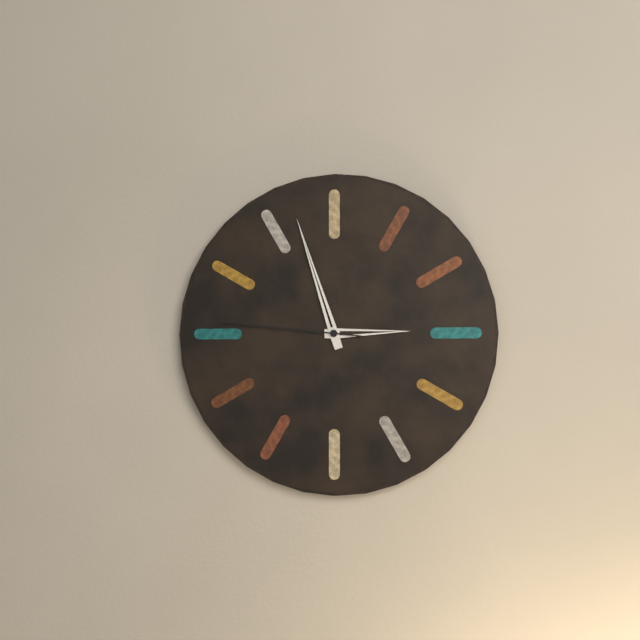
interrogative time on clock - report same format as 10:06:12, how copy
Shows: 2:57:46
